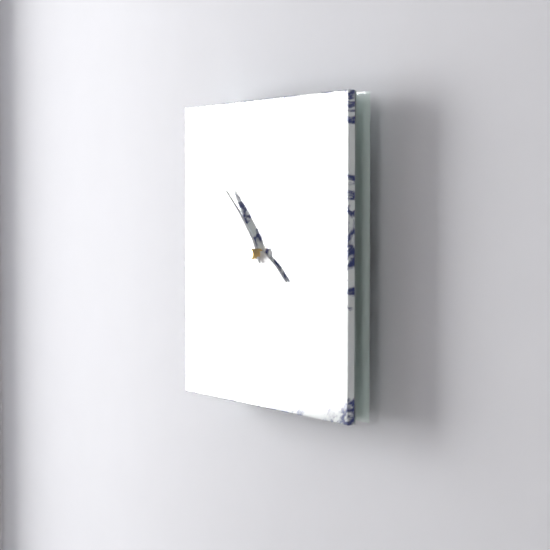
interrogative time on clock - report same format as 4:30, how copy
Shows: 3:53
